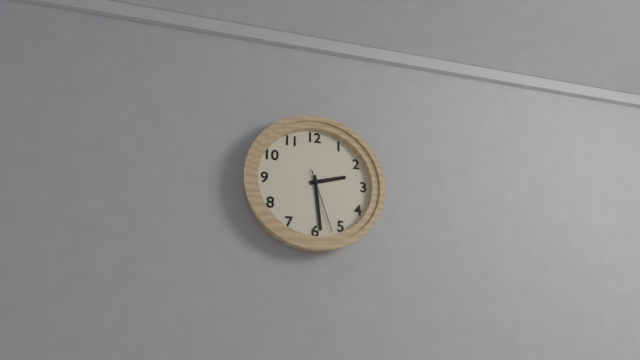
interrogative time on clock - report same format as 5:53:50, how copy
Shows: 2:29:27
